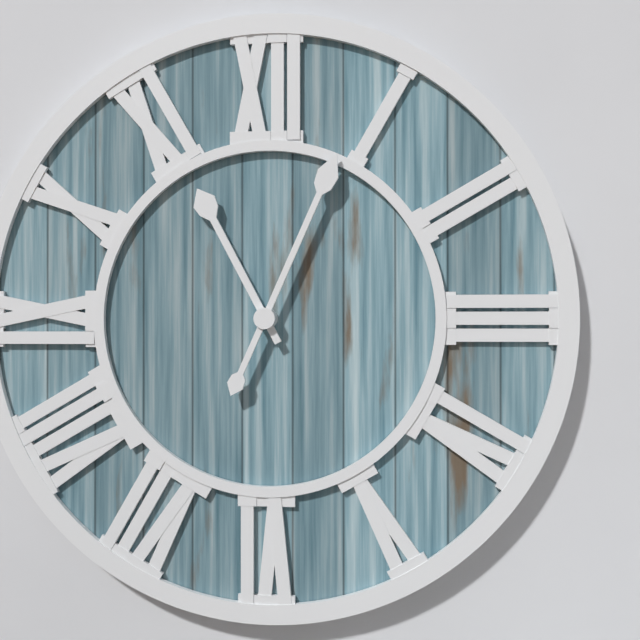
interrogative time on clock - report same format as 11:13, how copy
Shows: 11:04
